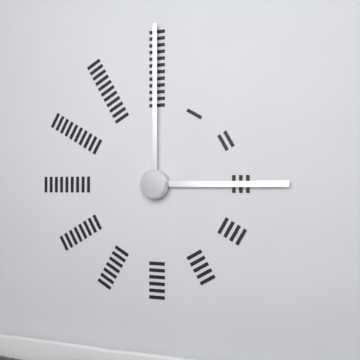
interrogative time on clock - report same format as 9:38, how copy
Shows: 3:00
